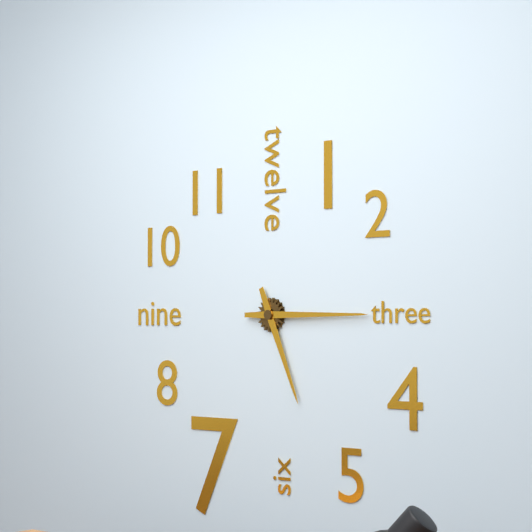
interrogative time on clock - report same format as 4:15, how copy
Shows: 5:15
